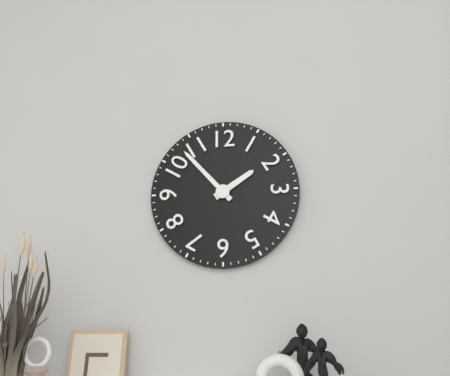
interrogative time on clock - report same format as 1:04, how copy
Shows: 1:53
